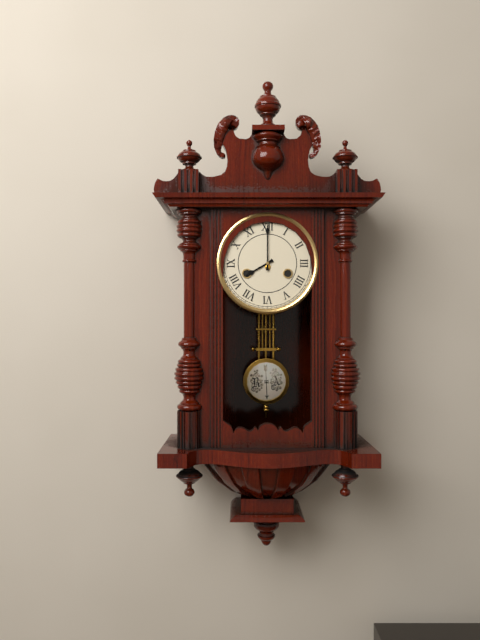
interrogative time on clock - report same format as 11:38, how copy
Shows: 8:00
